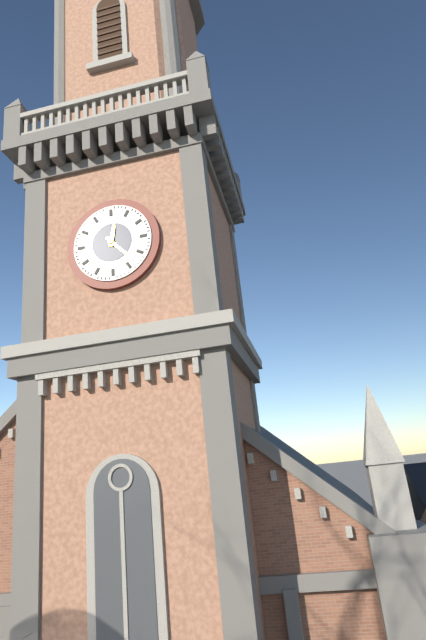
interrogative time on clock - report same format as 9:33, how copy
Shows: 12:23
